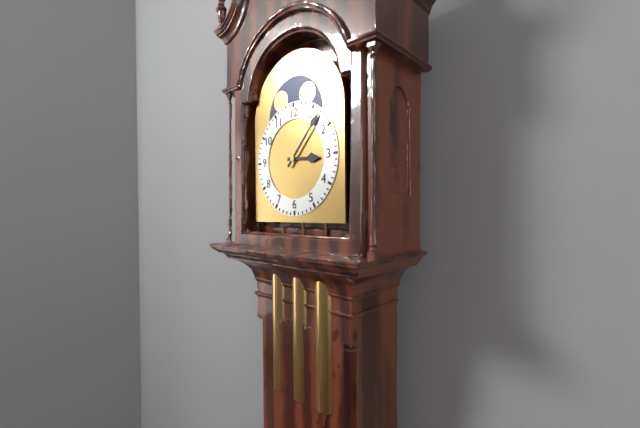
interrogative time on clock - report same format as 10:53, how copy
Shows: 3:07
